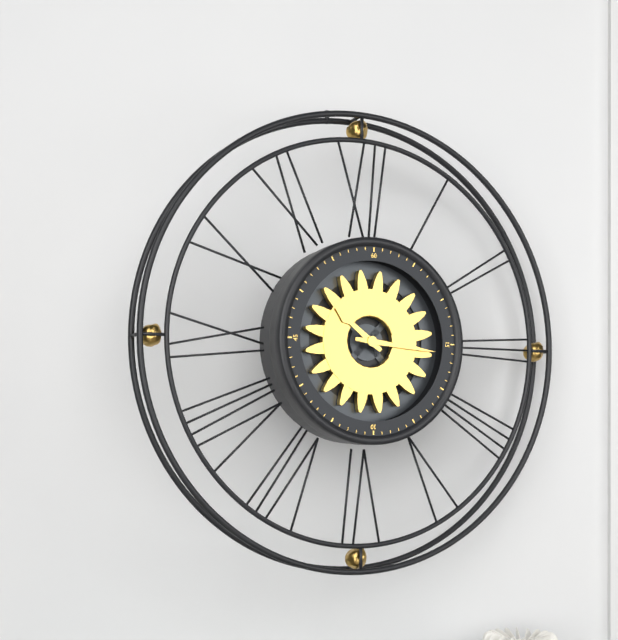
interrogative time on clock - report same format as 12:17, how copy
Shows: 10:16
